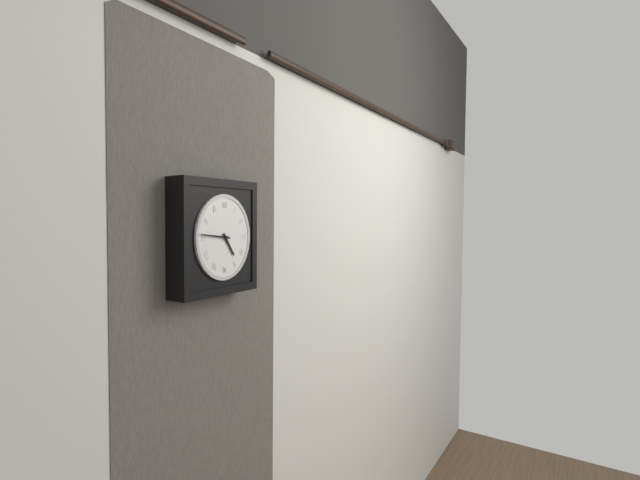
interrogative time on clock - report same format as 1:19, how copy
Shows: 4:46
